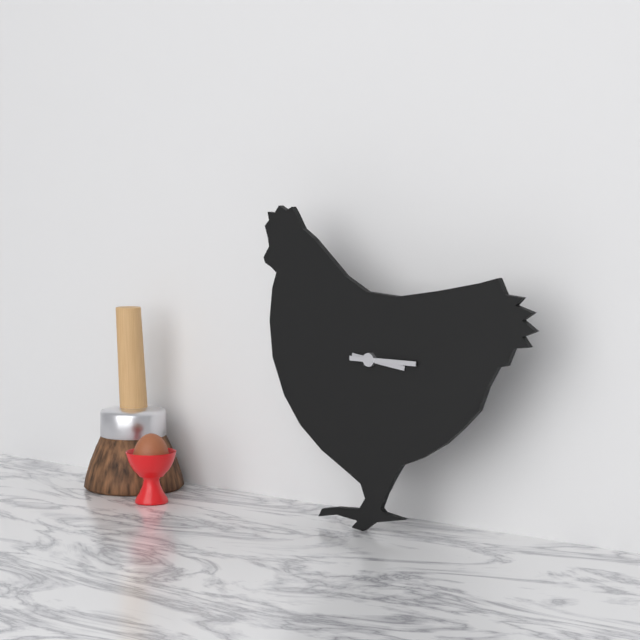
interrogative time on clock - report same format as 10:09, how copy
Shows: 3:15
